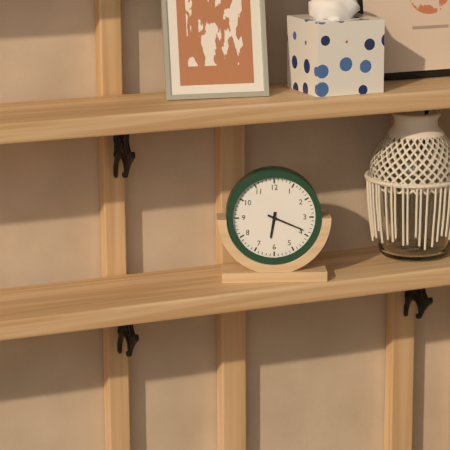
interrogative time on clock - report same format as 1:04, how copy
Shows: 6:19
